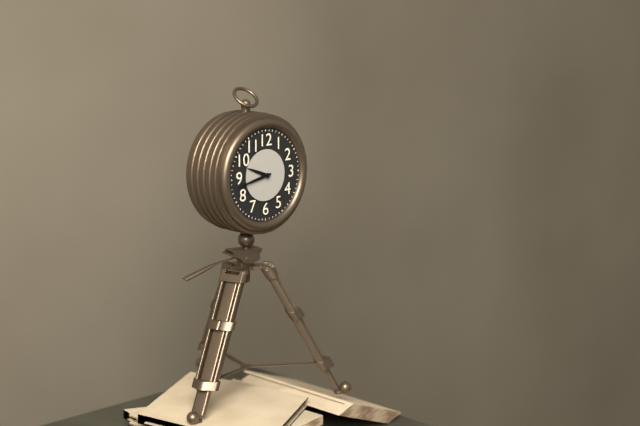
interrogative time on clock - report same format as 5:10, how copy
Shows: 9:43
